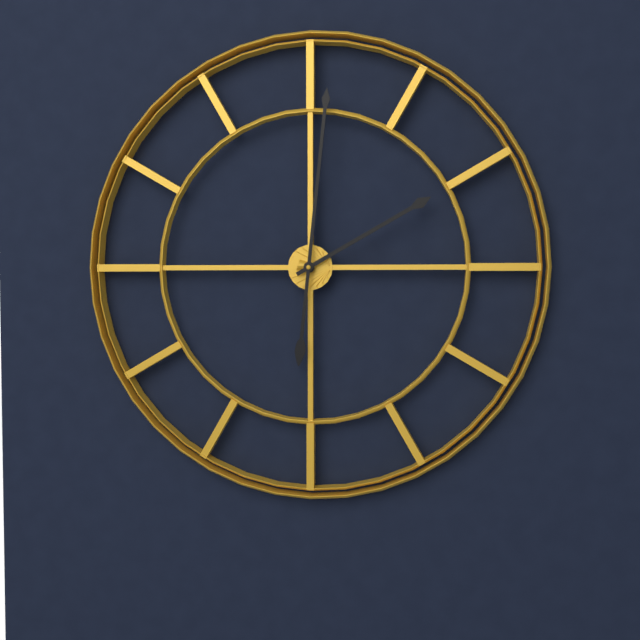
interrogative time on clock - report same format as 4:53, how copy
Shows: 2:01
